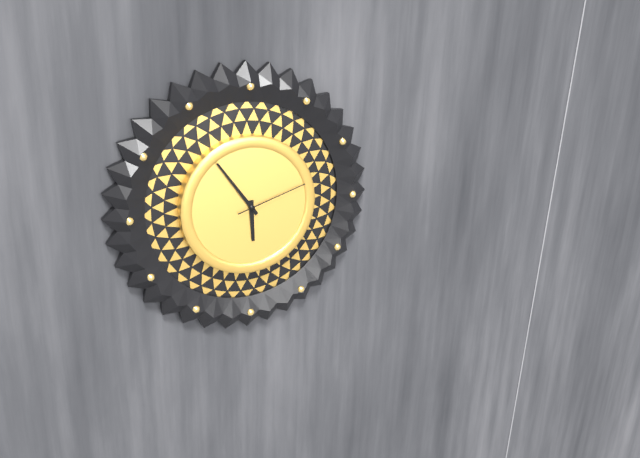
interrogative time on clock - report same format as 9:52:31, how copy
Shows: 5:54:12
